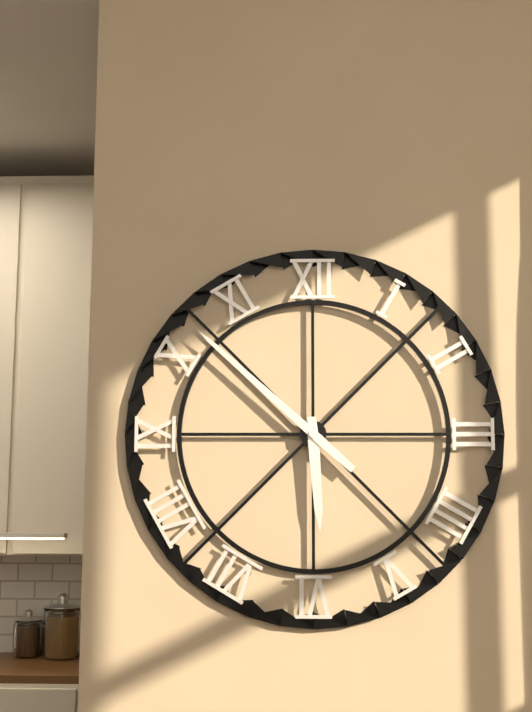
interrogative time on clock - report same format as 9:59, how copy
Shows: 5:52
